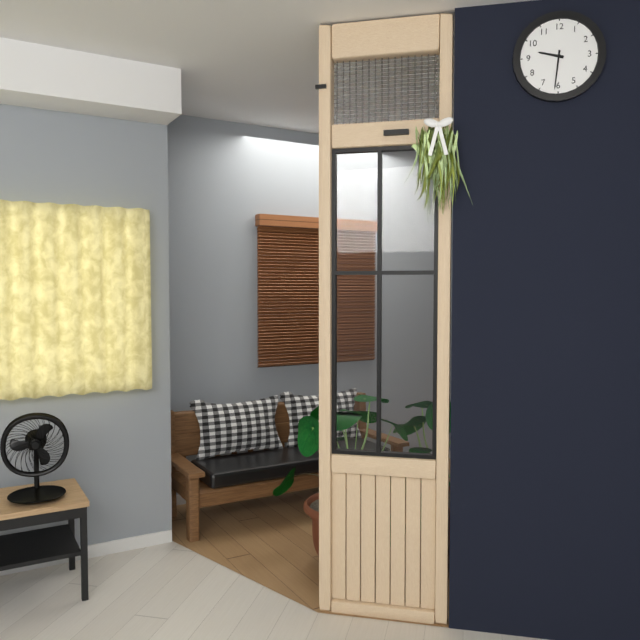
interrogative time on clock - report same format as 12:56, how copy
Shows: 9:31
